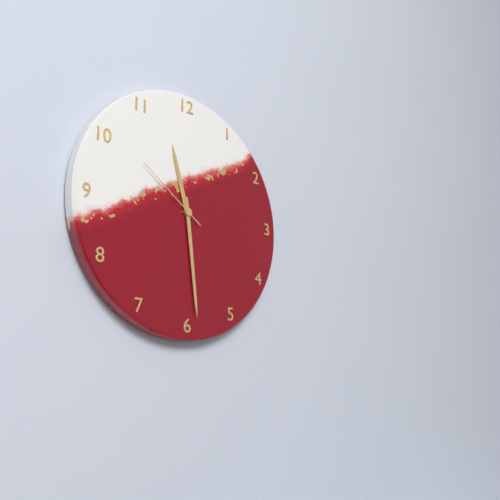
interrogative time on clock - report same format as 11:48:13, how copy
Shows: 11:29:51
